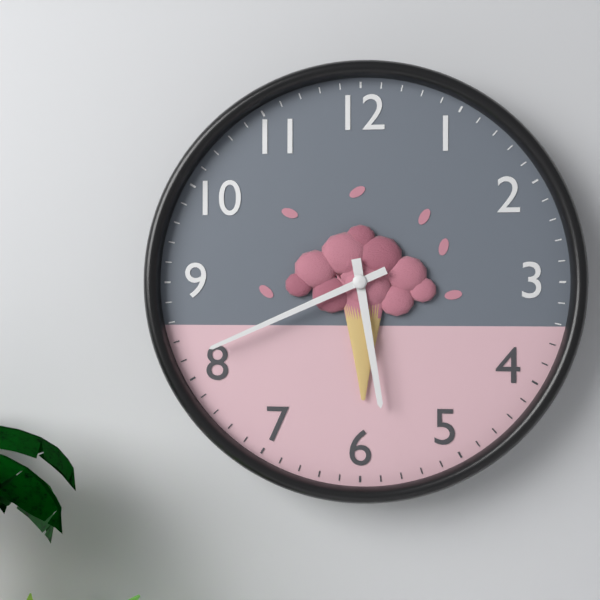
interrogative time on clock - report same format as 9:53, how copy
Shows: 5:41
